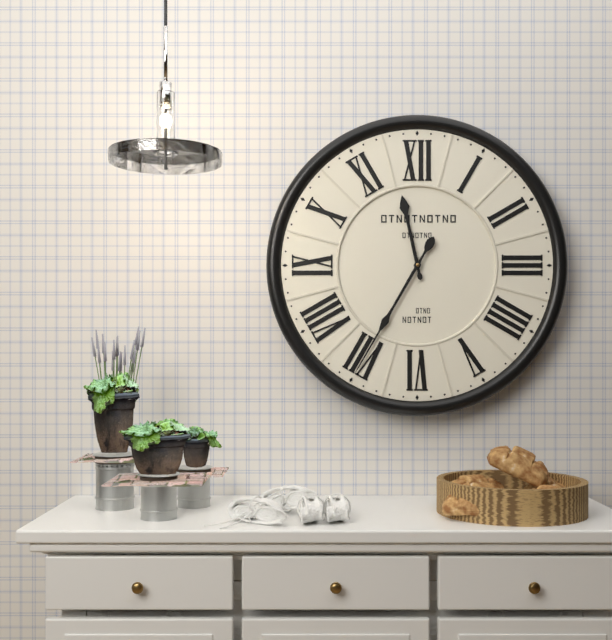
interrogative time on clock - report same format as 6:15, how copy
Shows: 11:35
